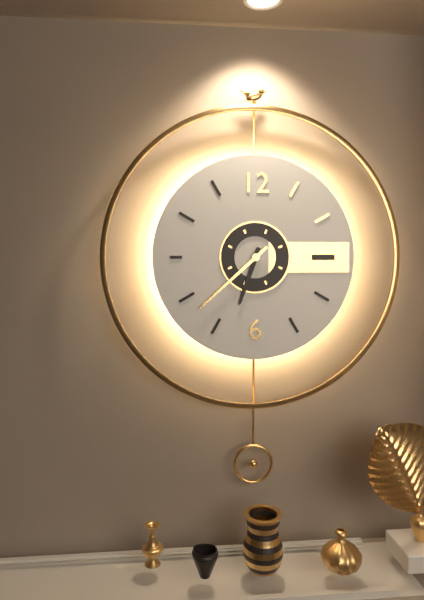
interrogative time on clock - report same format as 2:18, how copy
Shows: 6:38
